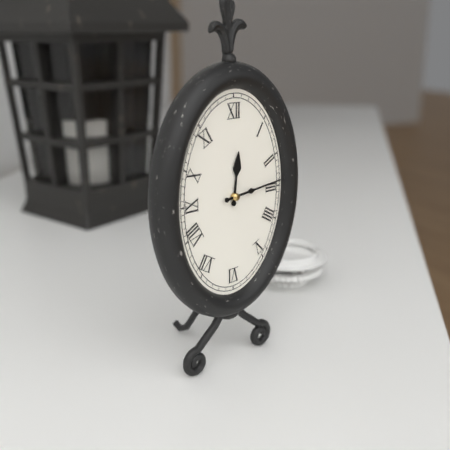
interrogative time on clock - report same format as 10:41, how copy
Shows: 12:14
